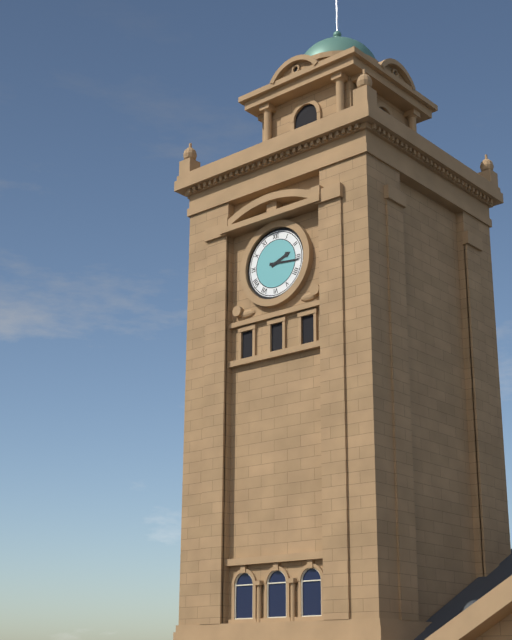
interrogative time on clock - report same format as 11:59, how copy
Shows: 2:16
